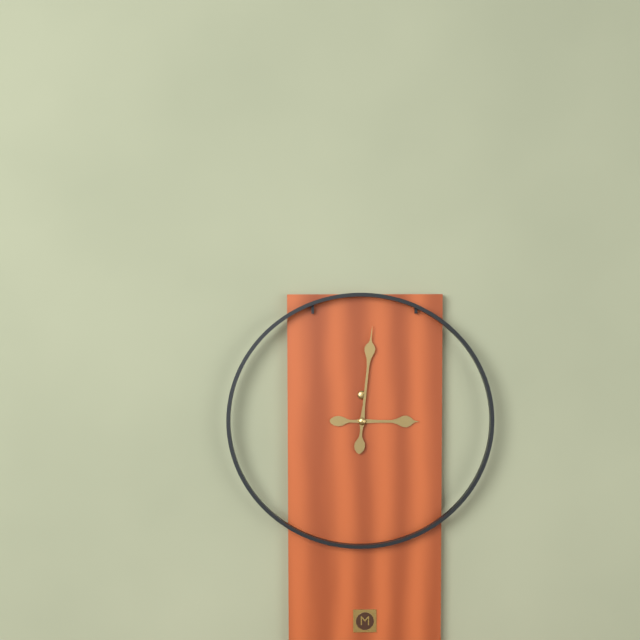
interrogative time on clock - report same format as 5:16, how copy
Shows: 3:01
